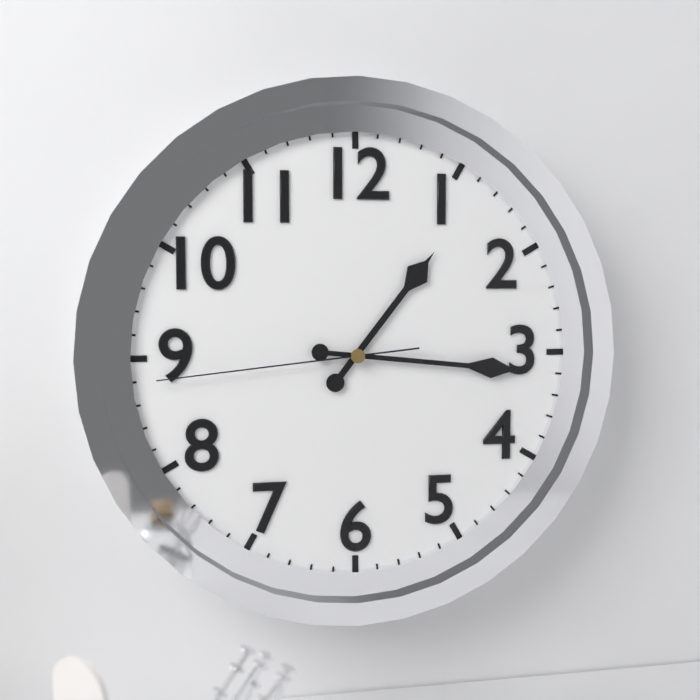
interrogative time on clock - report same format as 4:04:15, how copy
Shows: 1:16:44
